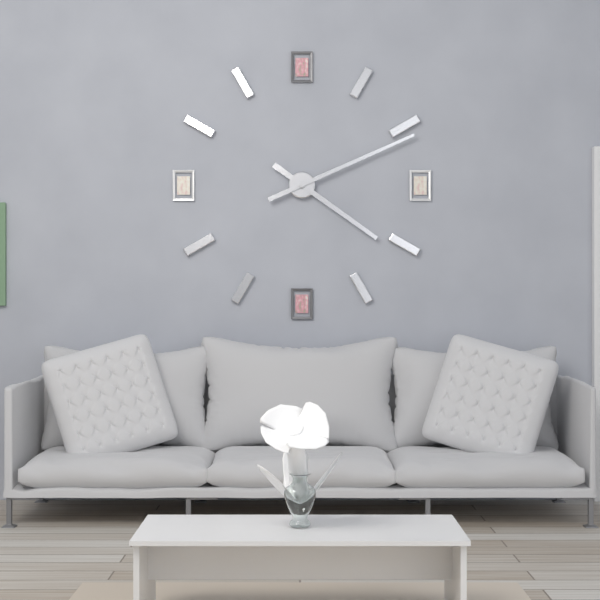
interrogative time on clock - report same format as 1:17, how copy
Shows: 4:11
